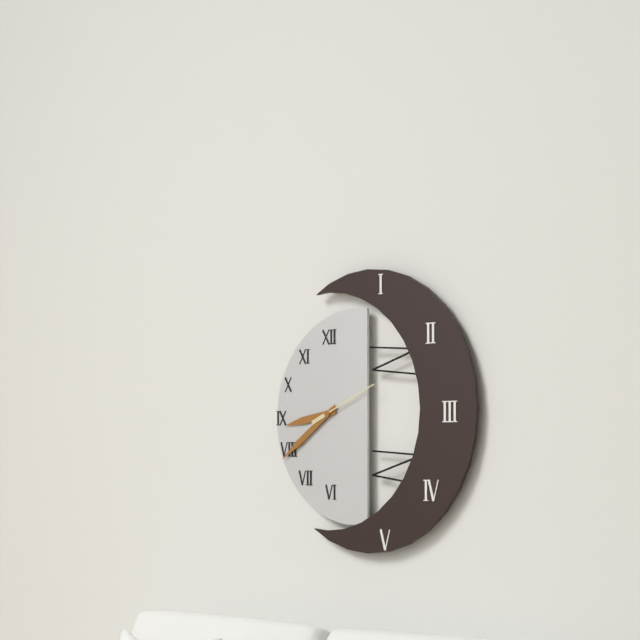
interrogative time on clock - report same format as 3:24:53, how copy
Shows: 8:39:11
